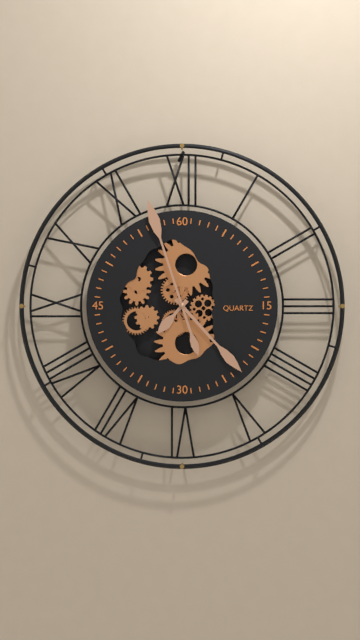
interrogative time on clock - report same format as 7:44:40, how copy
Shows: 7:23:57
